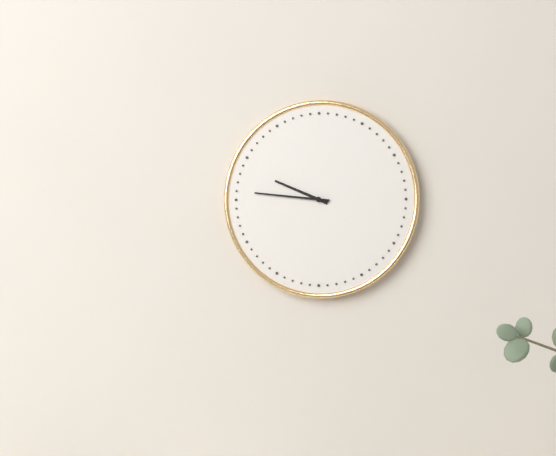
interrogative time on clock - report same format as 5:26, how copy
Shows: 9:46
